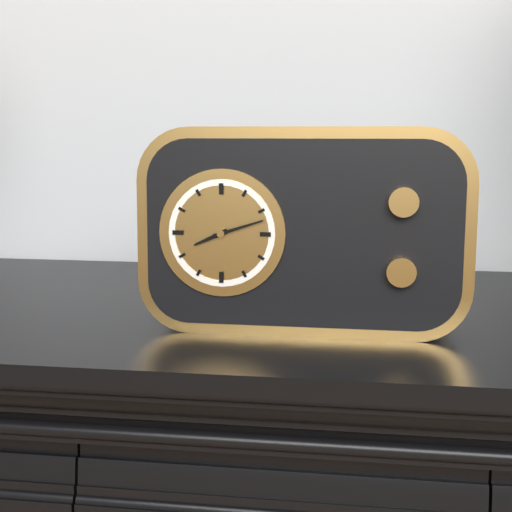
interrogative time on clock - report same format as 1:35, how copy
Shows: 8:12
